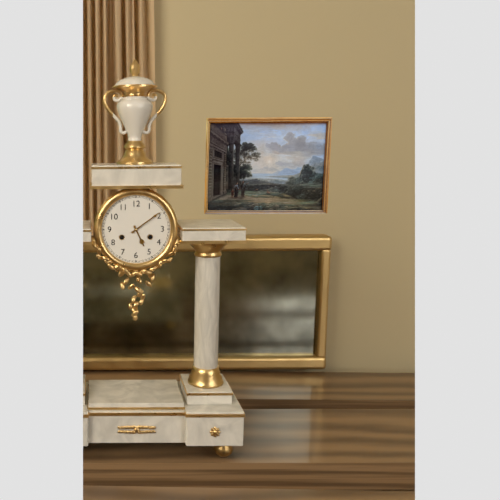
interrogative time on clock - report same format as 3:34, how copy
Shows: 5:09
